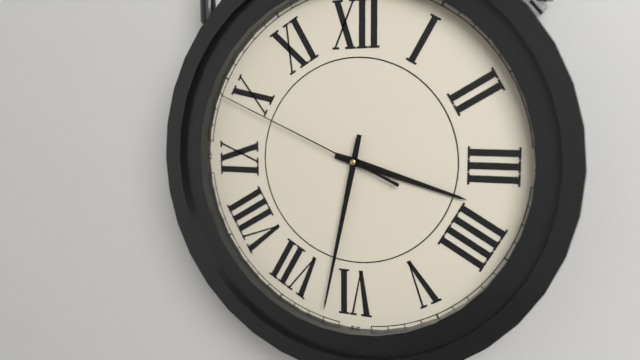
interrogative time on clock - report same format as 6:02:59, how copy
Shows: 3:32:49
